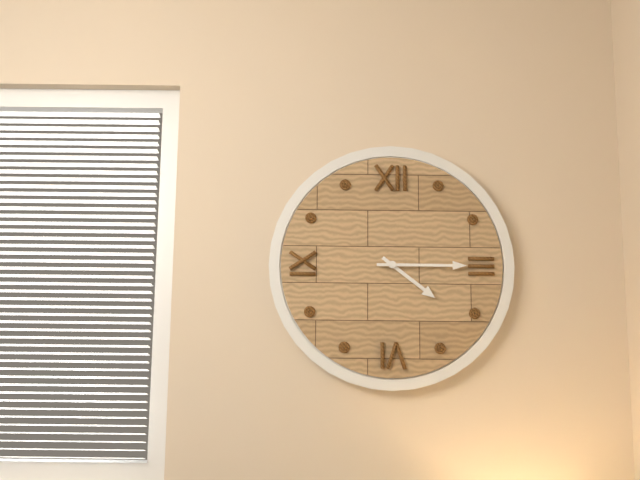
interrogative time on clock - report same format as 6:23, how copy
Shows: 4:15
